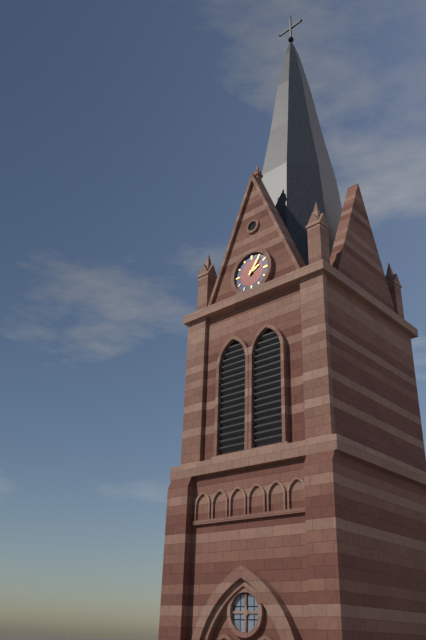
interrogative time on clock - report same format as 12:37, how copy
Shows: 2:06
